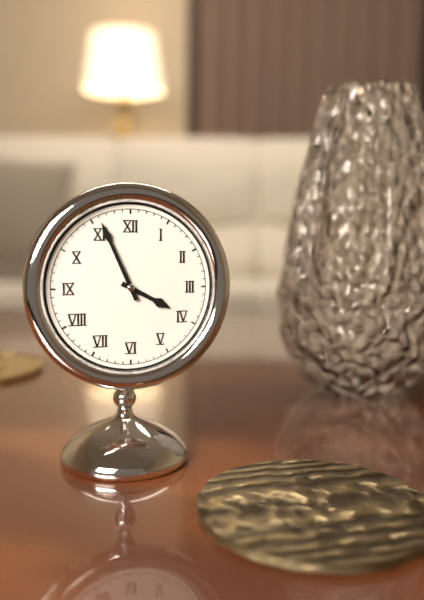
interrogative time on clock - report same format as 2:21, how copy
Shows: 3:56
